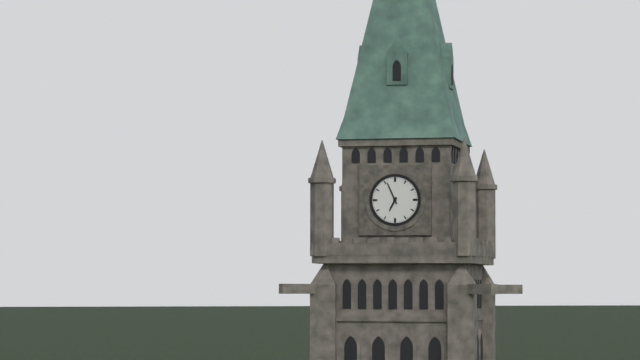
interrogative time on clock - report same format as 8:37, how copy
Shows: 6:56
